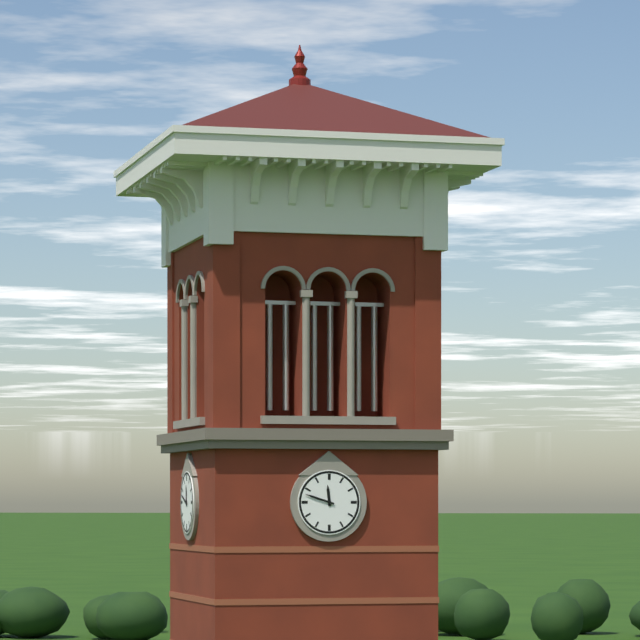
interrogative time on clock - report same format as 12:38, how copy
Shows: 11:48
